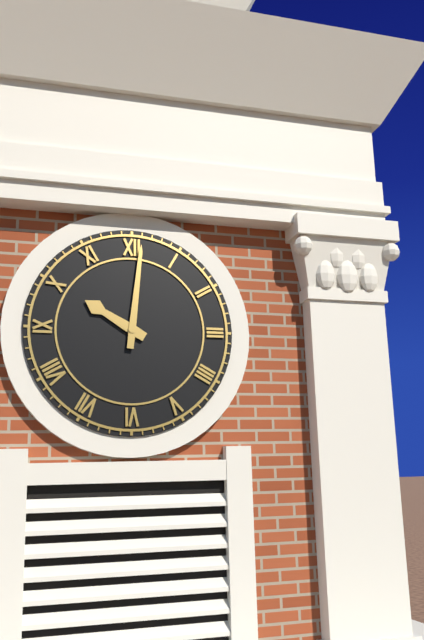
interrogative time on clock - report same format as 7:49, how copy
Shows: 10:01
